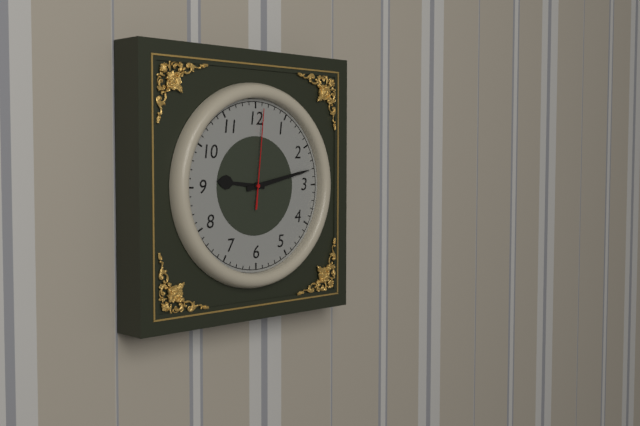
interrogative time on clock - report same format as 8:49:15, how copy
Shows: 9:13:01
